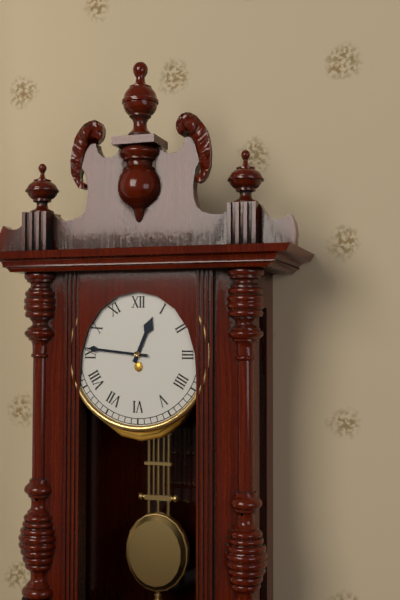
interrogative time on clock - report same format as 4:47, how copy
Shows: 12:46
